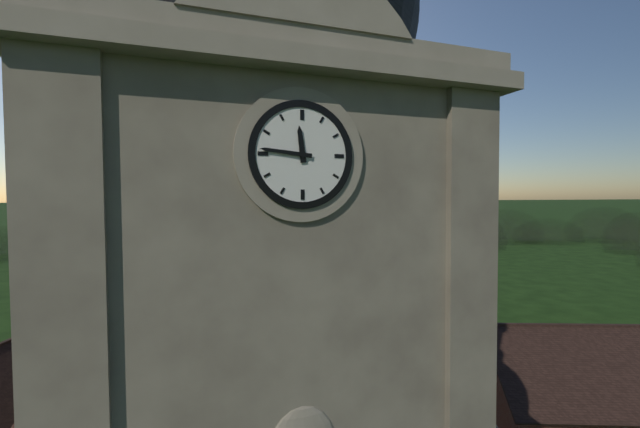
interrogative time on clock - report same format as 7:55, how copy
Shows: 11:46
